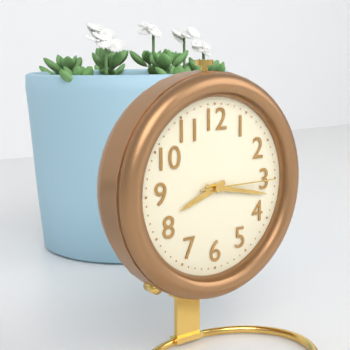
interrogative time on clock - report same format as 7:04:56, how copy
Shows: 8:17:15
